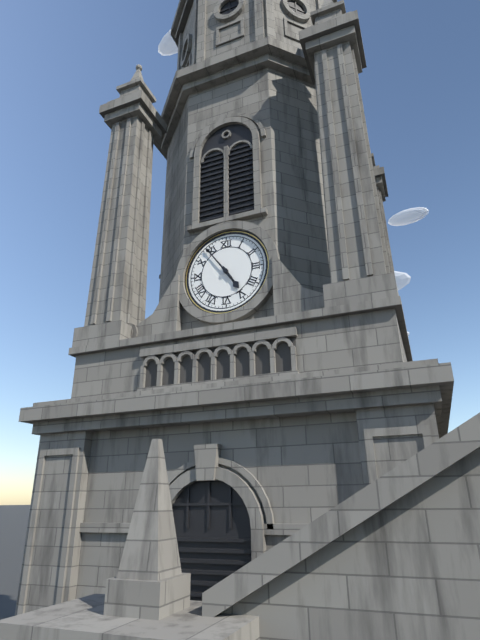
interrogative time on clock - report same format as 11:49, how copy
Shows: 4:54
